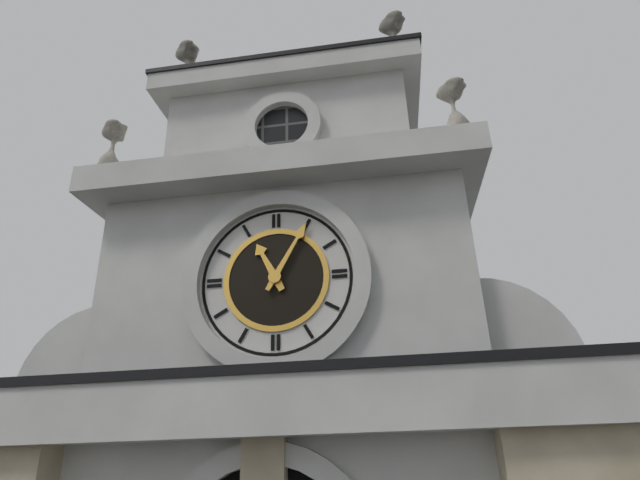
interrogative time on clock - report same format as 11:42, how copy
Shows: 11:05
